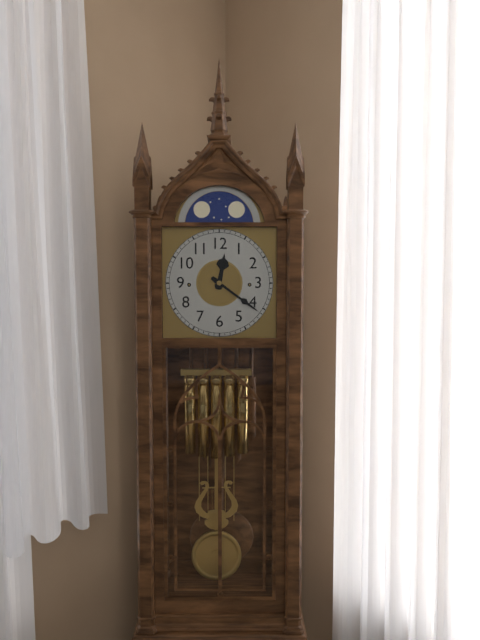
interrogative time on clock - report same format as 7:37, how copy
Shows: 12:21
